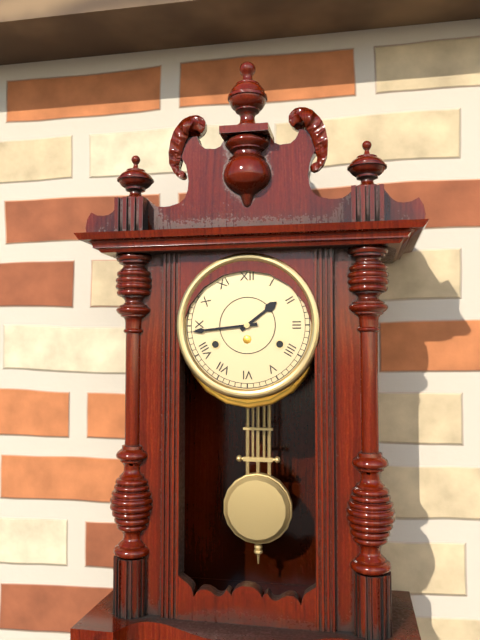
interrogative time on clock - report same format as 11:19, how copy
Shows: 1:44
